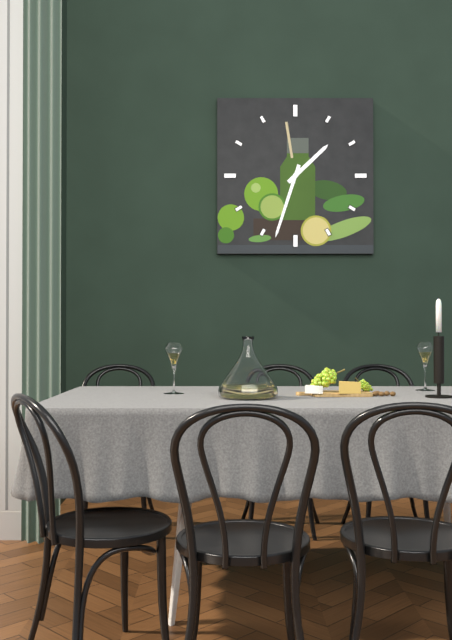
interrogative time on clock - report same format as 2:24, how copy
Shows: 1:33
